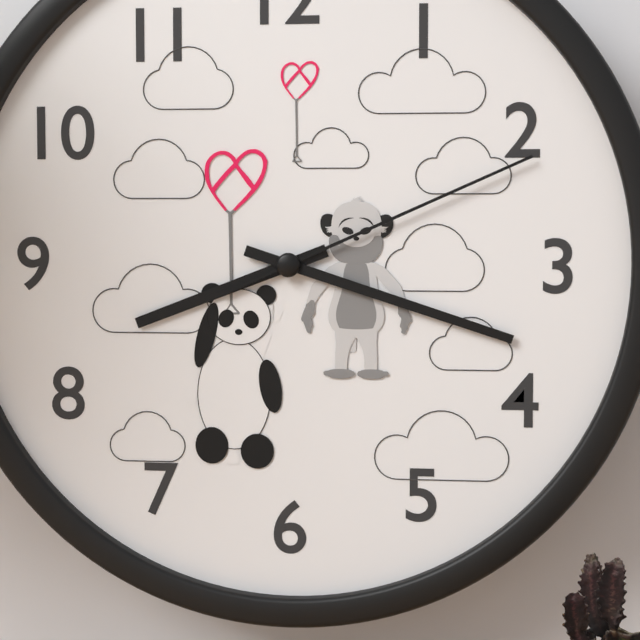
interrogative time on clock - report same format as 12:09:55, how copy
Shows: 8:18:11
